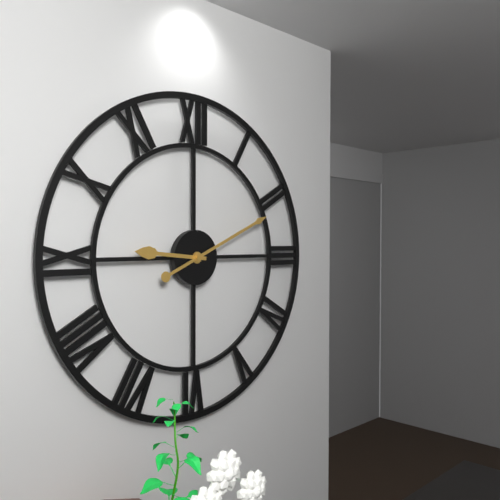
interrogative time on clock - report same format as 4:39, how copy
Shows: 9:11
